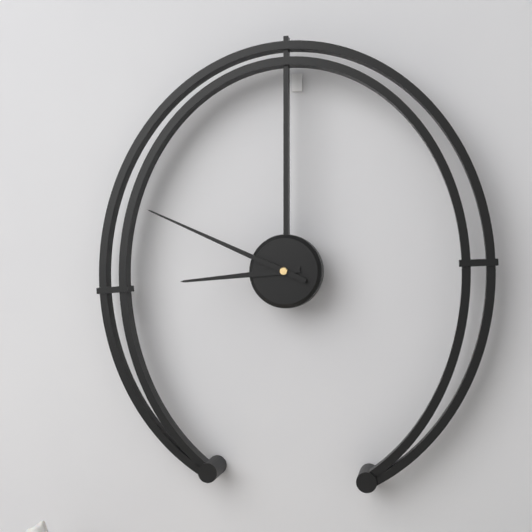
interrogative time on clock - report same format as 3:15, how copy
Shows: 8:49
